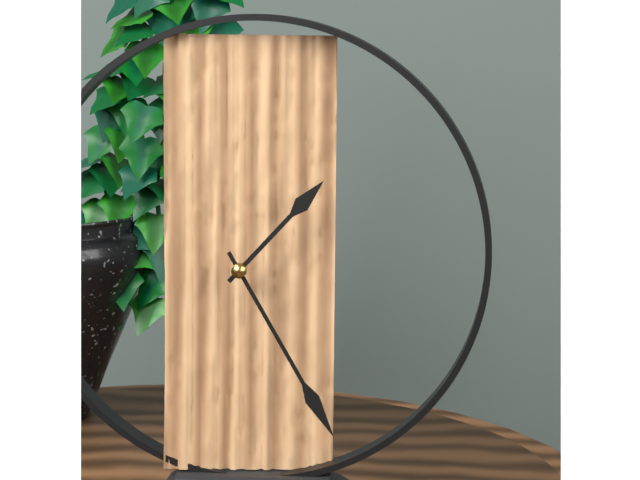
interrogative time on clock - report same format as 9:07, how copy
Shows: 1:25
